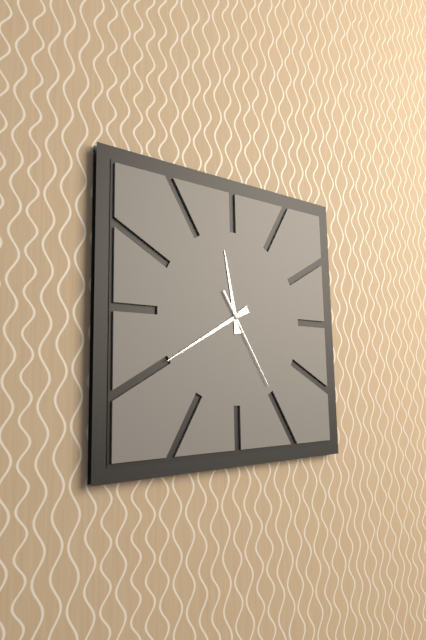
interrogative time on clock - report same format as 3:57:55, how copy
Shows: 11:40:25
